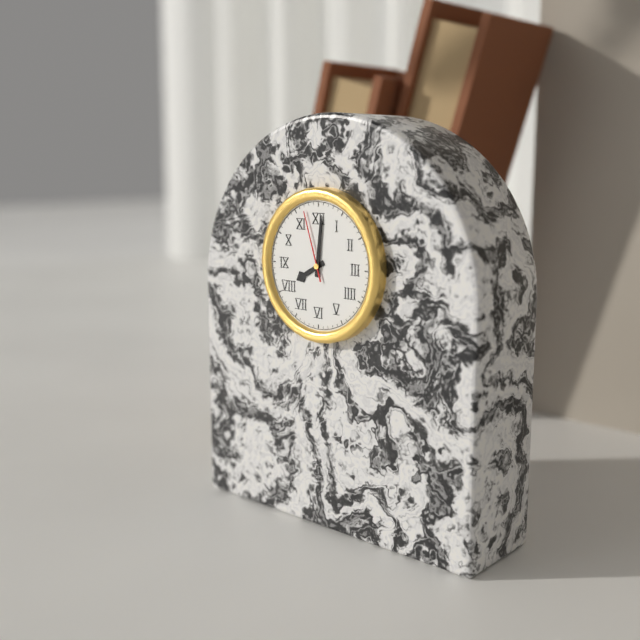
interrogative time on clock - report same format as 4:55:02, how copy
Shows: 8:01:57
